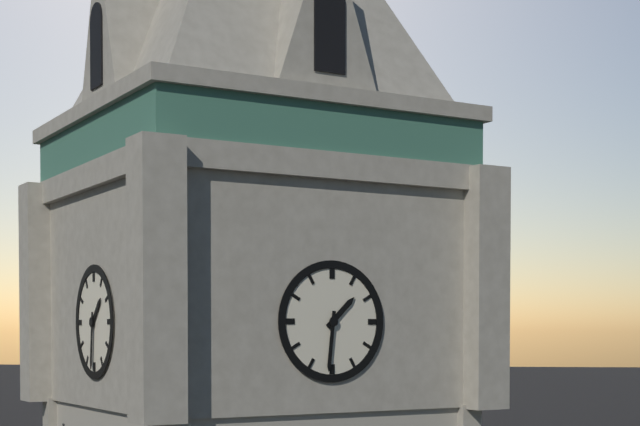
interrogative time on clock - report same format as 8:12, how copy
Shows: 1:31
